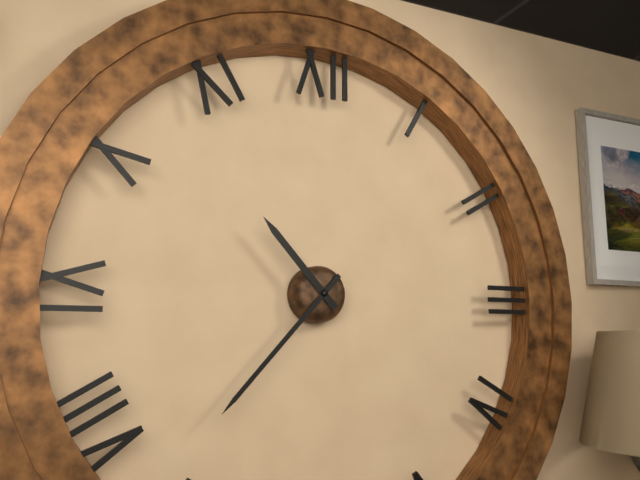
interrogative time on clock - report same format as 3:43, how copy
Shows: 10:37
